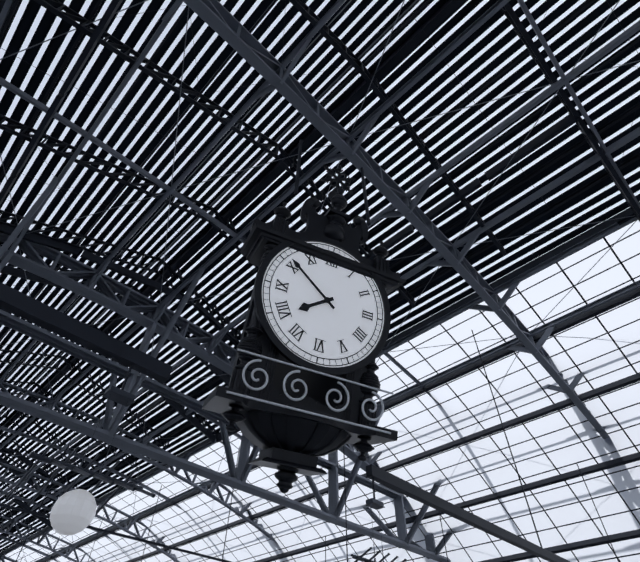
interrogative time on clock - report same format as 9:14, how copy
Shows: 7:51
